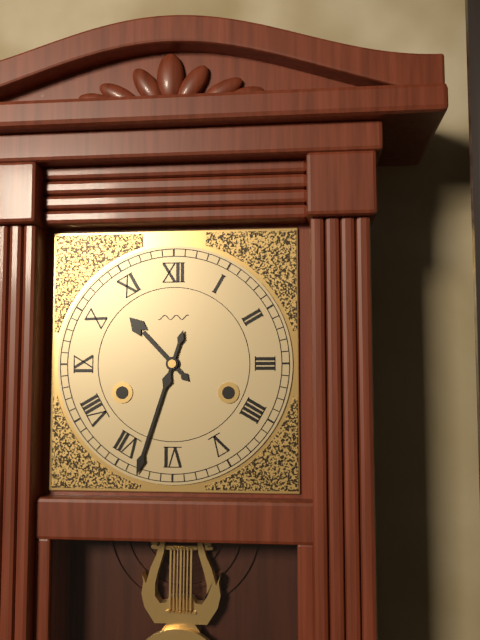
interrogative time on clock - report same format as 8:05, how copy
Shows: 10:33
